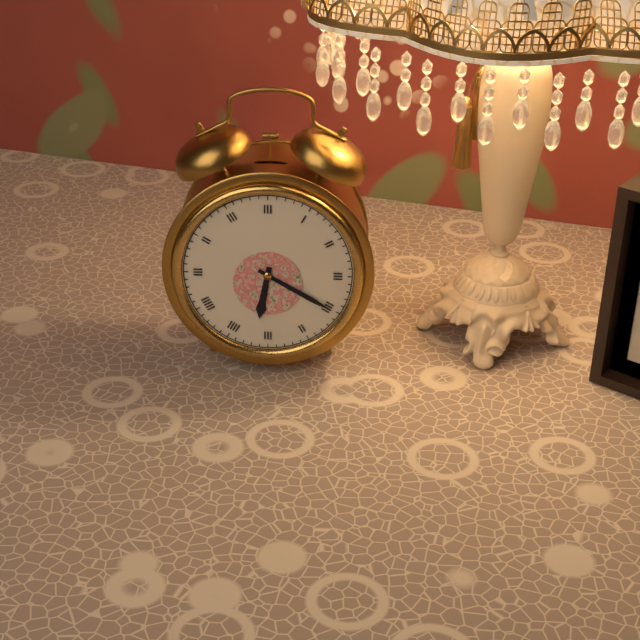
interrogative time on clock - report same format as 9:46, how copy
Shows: 6:20
